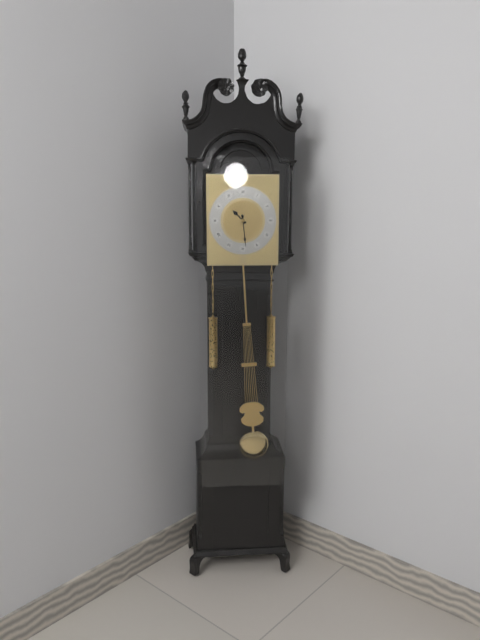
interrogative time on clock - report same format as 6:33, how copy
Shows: 10:29
